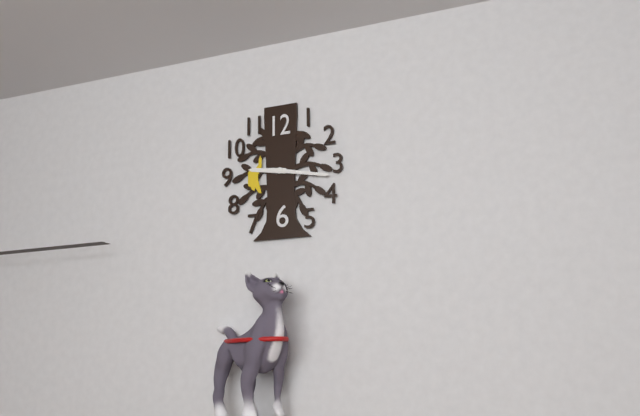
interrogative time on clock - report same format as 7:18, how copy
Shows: 9:17
